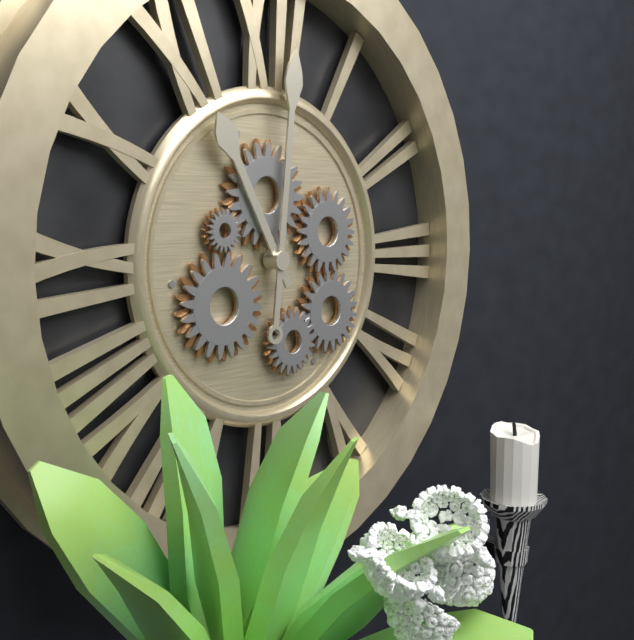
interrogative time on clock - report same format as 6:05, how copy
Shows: 11:01
